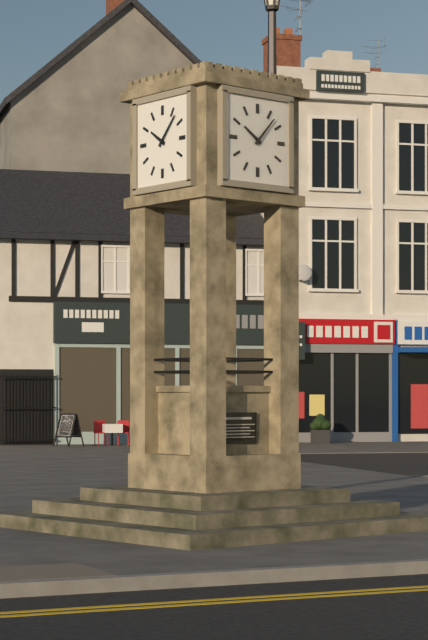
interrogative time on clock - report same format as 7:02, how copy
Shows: 10:07
